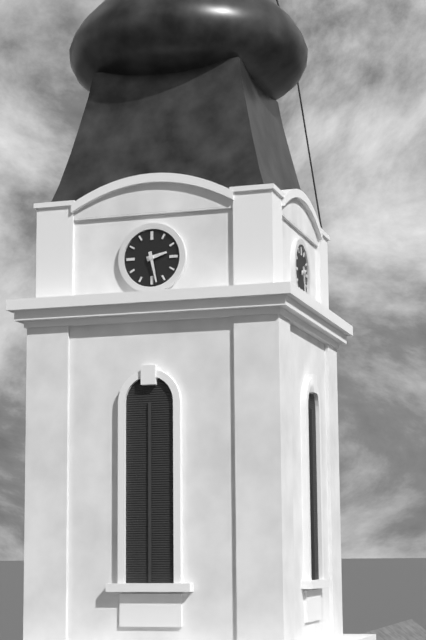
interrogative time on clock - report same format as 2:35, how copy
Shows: 2:28
